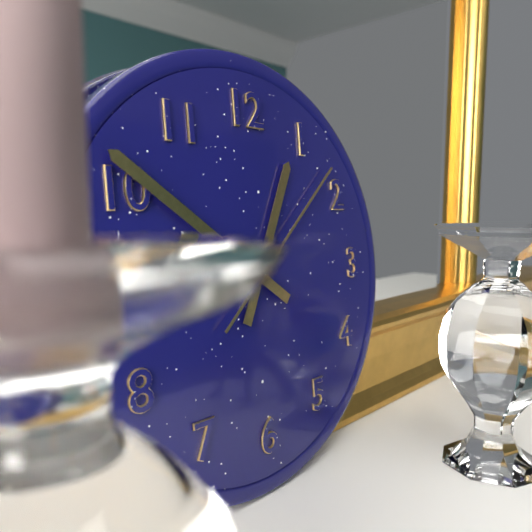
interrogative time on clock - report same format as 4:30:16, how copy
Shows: 12:51:08
